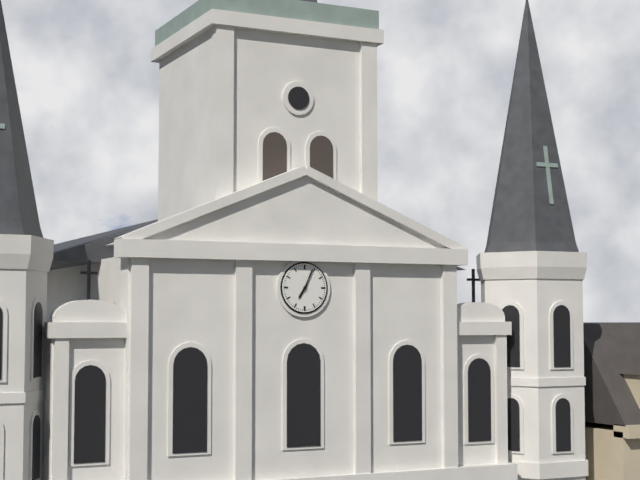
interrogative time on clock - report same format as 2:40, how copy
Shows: 7:04
